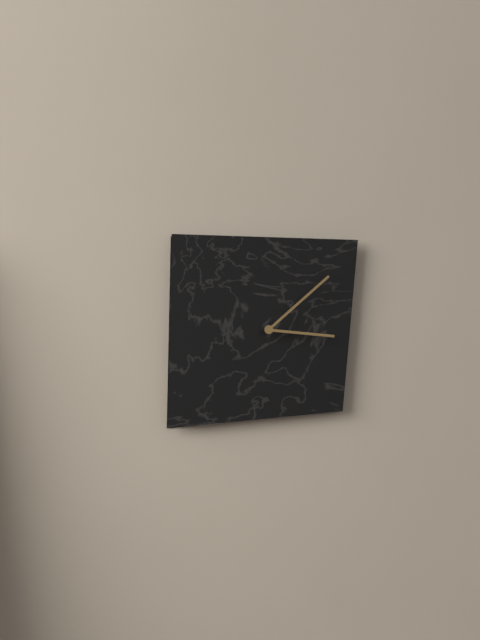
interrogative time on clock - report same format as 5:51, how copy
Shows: 3:08
